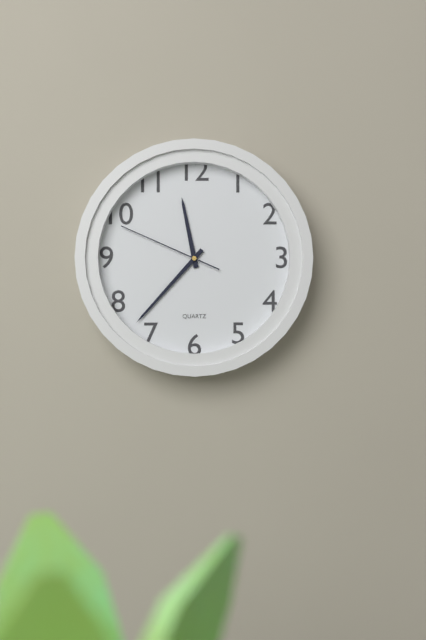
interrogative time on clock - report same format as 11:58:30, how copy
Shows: 11:37:49
